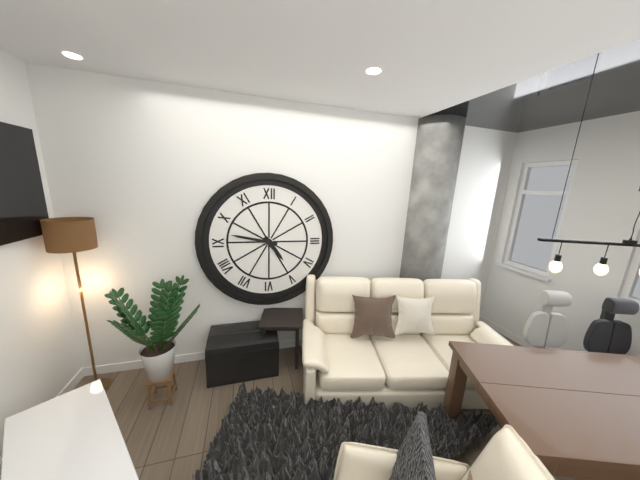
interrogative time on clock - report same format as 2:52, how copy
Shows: 4:47
